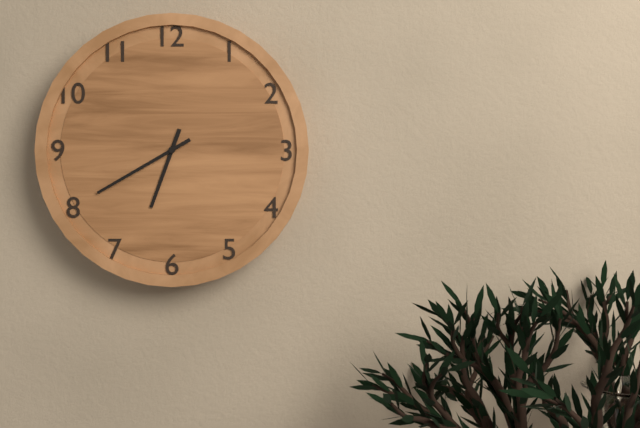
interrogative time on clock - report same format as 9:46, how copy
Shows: 6:40
